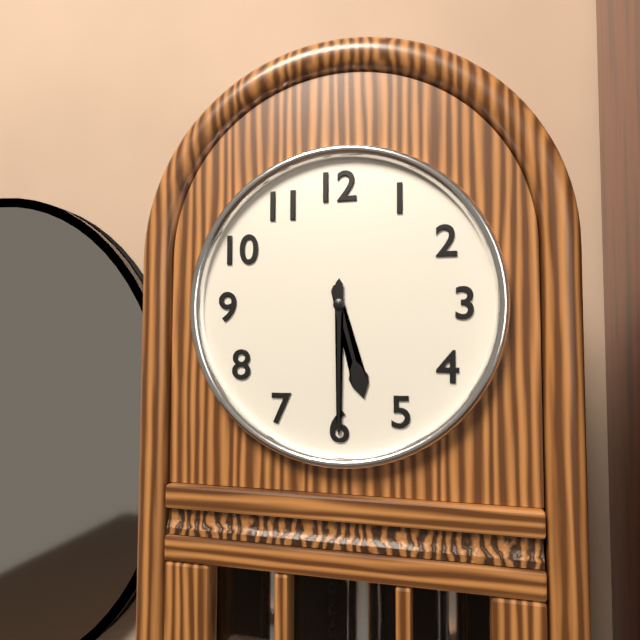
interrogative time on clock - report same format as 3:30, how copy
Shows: 5:30
